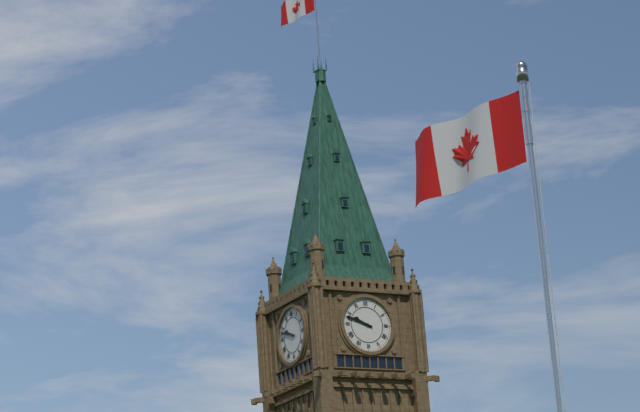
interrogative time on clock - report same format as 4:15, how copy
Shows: 9:48
